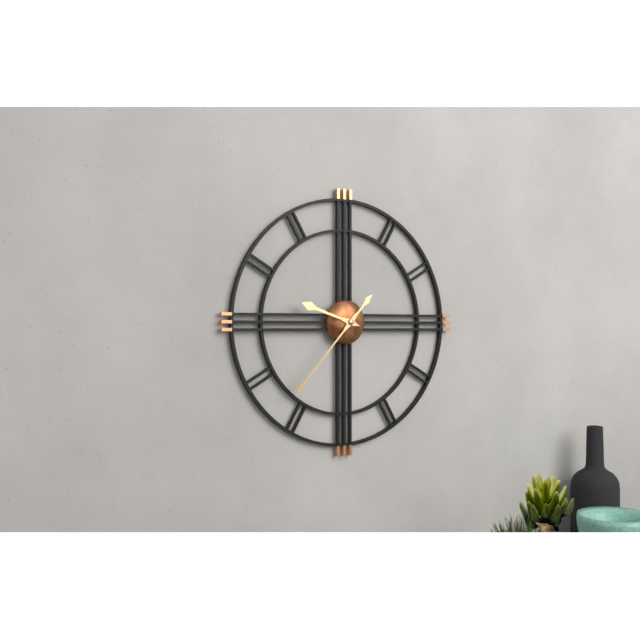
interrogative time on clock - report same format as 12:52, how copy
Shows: 9:37
